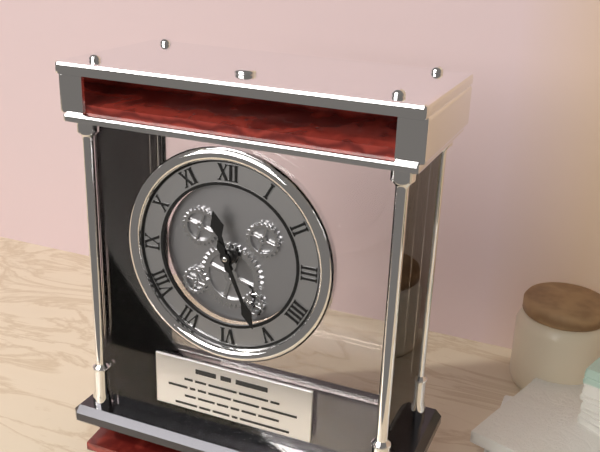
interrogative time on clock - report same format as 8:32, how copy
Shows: 11:26
